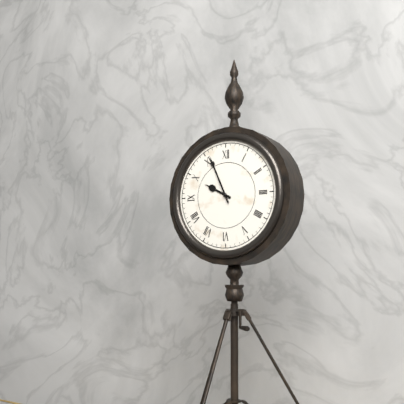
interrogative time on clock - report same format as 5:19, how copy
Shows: 9:56
